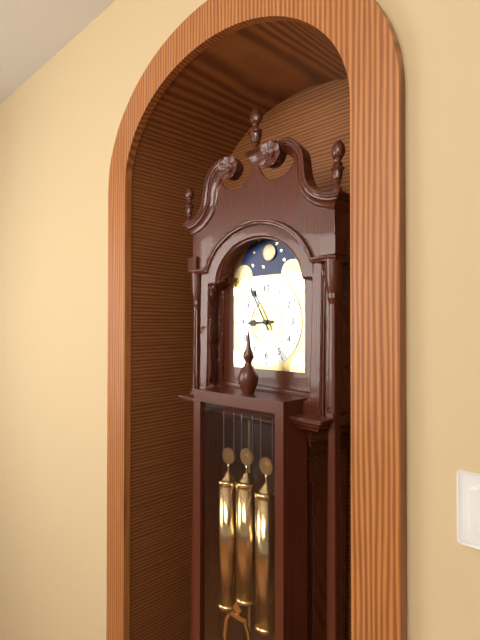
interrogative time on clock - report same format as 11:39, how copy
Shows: 8:55
